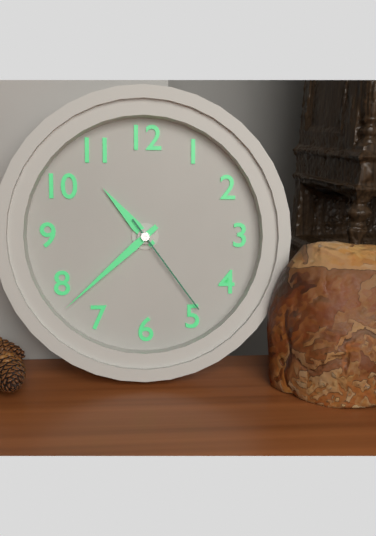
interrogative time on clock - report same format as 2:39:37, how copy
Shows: 10:38:24
